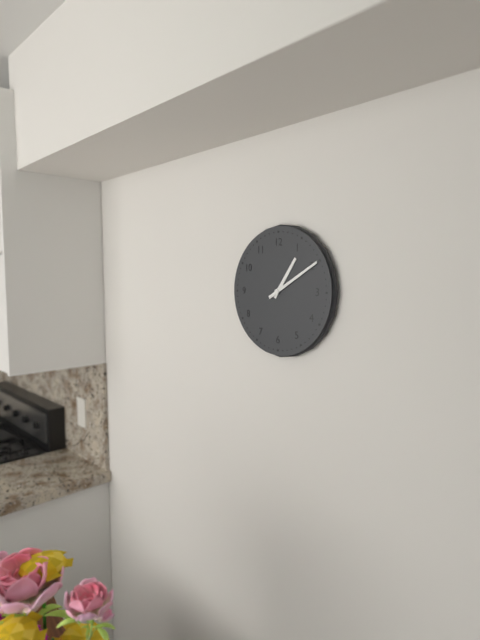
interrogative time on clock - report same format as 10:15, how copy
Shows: 1:10
